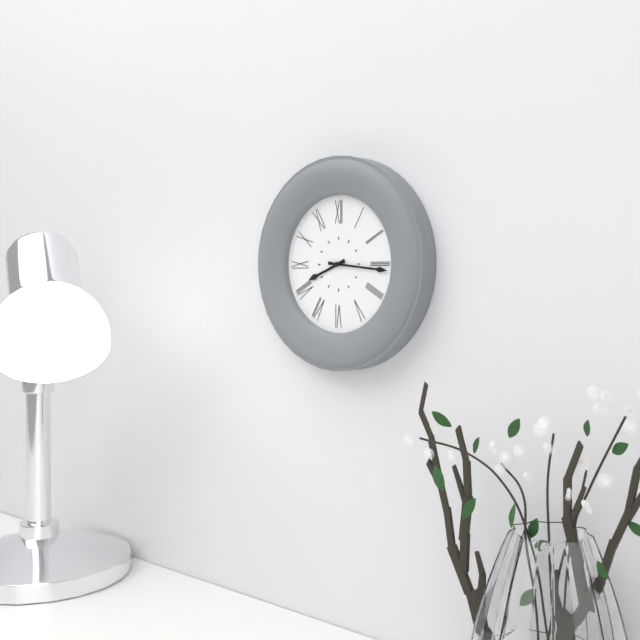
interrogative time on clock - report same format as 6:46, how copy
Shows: 8:16
